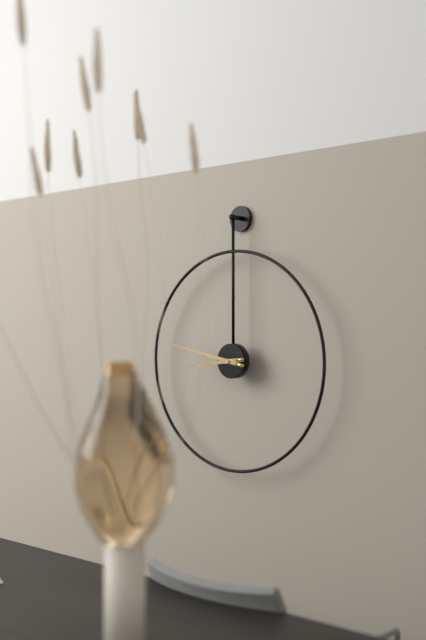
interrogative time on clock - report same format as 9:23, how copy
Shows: 8:47
